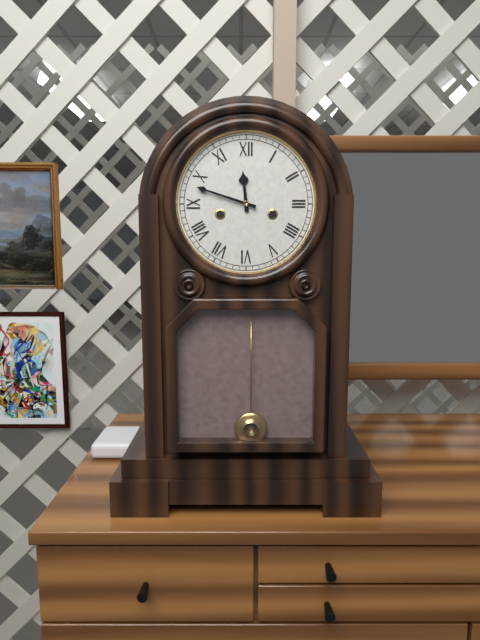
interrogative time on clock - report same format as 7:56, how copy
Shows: 11:48
